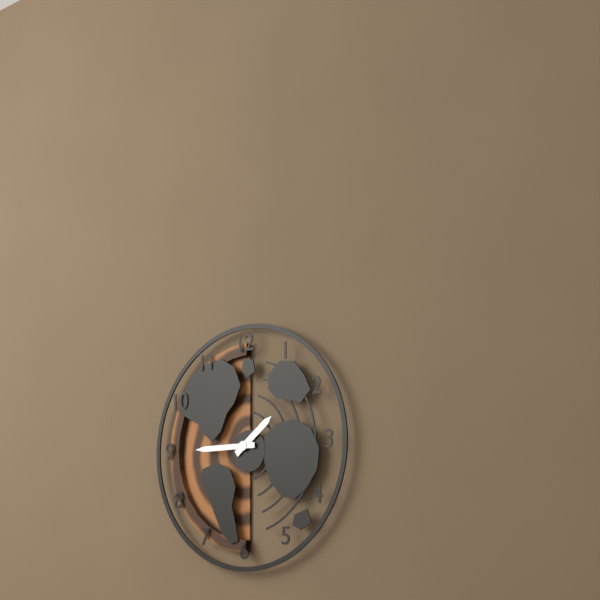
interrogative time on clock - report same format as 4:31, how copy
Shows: 1:45
